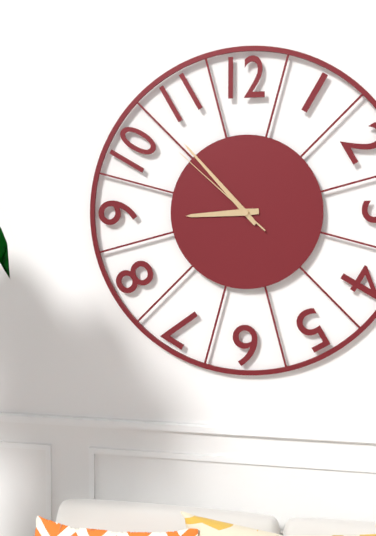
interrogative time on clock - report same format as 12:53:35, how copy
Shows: 8:53:52
